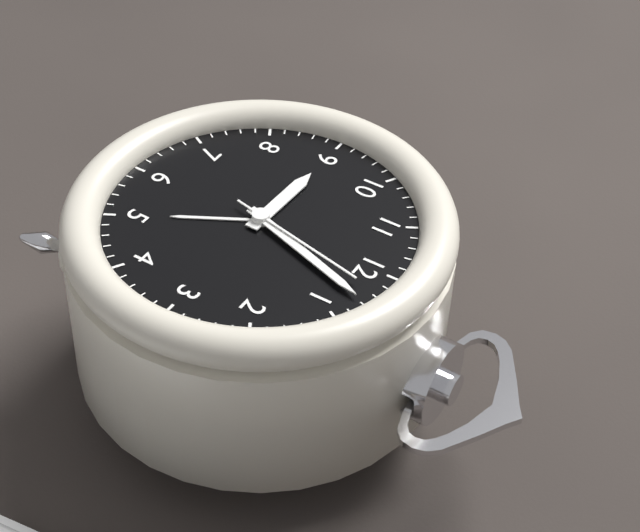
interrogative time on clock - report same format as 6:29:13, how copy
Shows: 9:03:02
